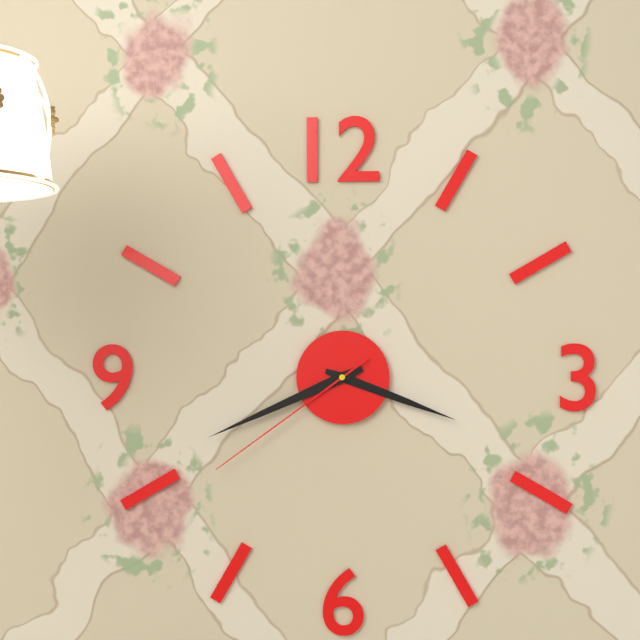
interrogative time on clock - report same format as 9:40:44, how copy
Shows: 3:41:39
